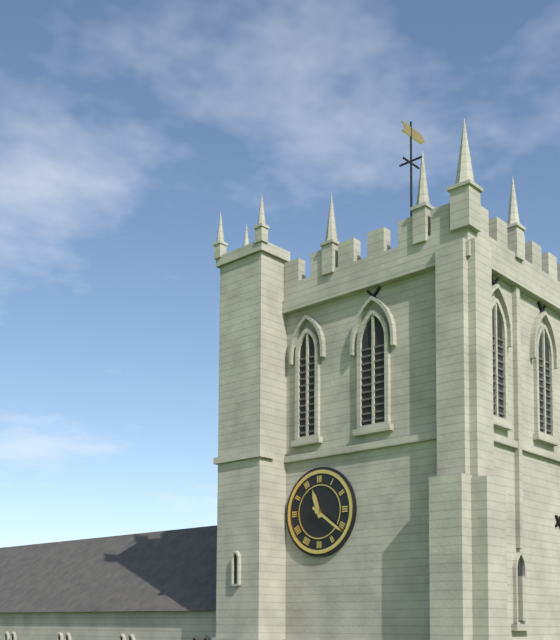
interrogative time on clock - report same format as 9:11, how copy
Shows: 11:21
